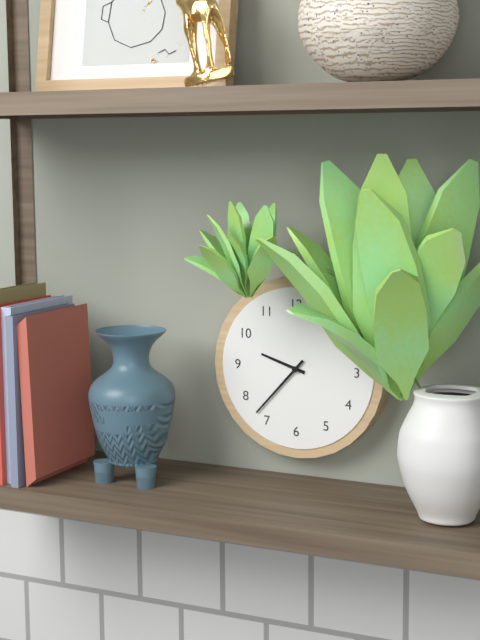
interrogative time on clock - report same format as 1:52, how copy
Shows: 9:37
